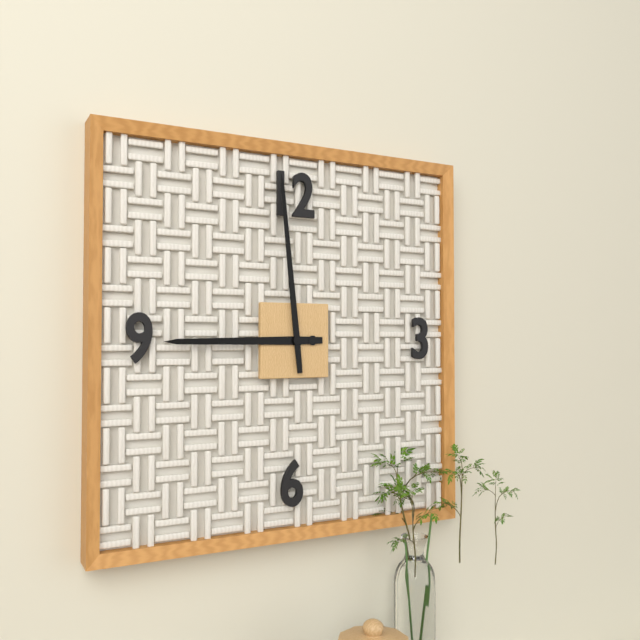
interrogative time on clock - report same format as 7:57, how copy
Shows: 8:59
